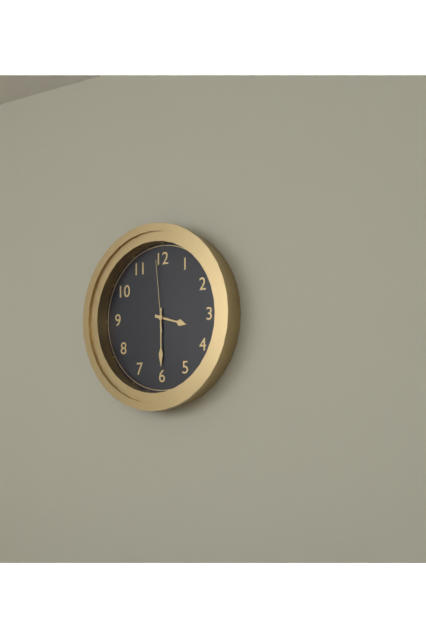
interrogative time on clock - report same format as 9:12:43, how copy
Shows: 3:30:59
